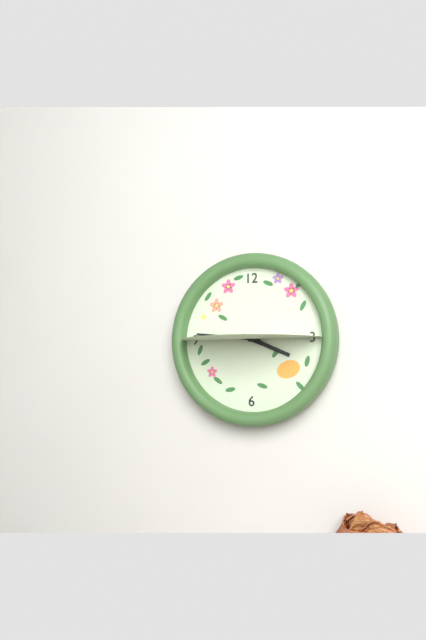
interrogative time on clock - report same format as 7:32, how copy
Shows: 3:46
